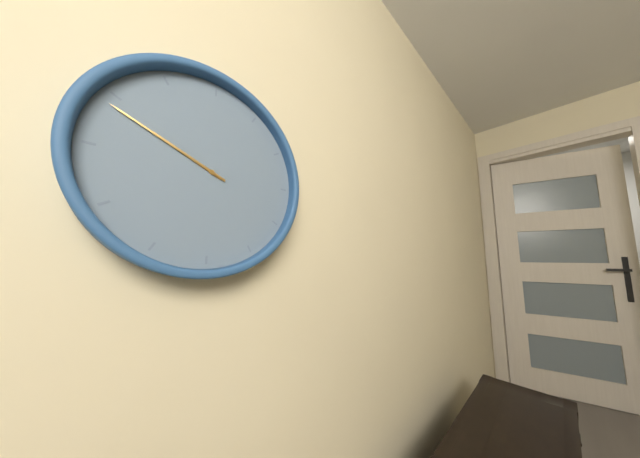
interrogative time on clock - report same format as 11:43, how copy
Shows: 9:49
